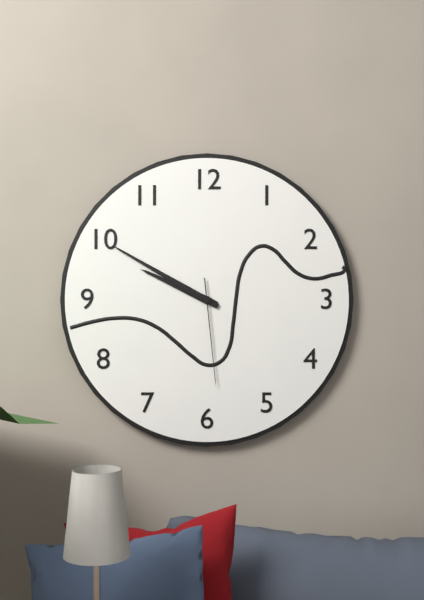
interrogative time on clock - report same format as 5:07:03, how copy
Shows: 9:50:29
